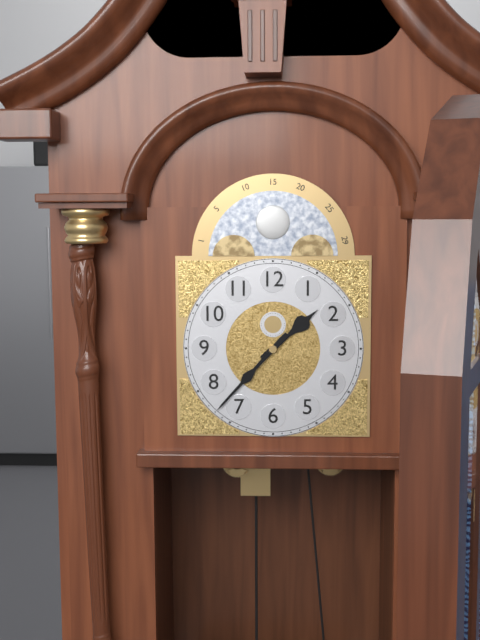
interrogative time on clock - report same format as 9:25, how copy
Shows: 1:37
